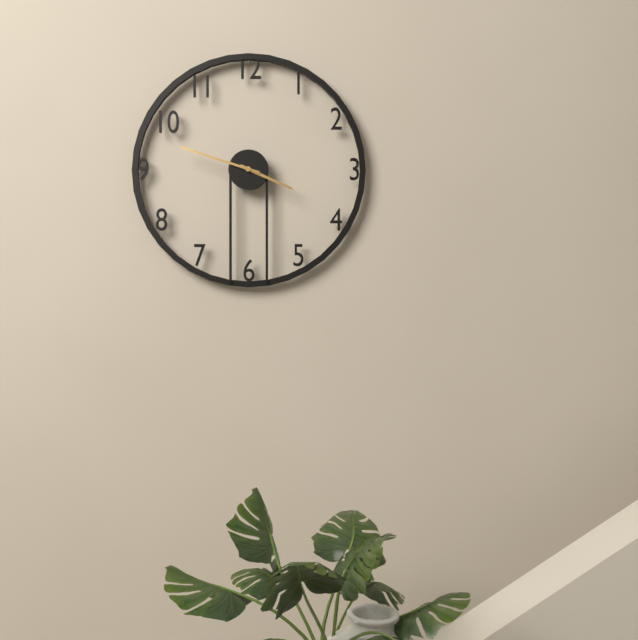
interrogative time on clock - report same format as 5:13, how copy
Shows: 3:48
